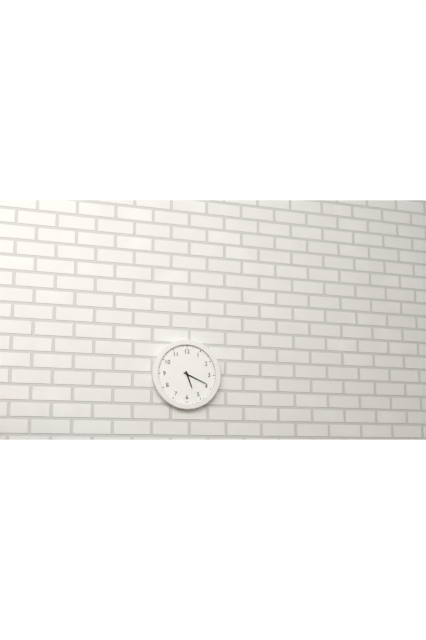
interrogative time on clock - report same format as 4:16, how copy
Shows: 5:19
